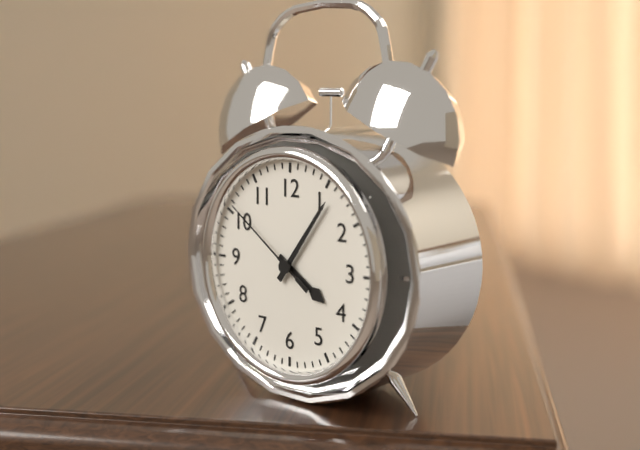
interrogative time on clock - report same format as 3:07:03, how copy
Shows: 4:06:51
